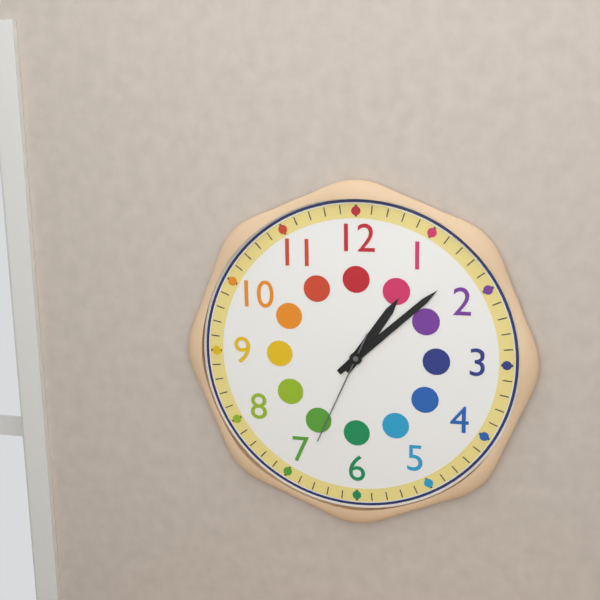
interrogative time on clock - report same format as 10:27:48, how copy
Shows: 1:08:34
